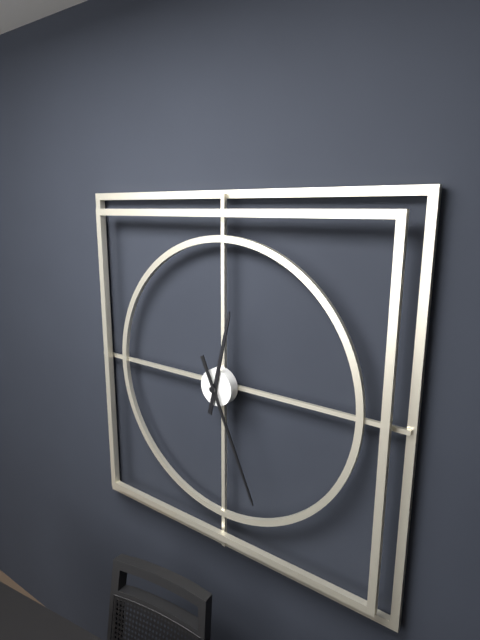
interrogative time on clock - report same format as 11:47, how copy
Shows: 12:26
